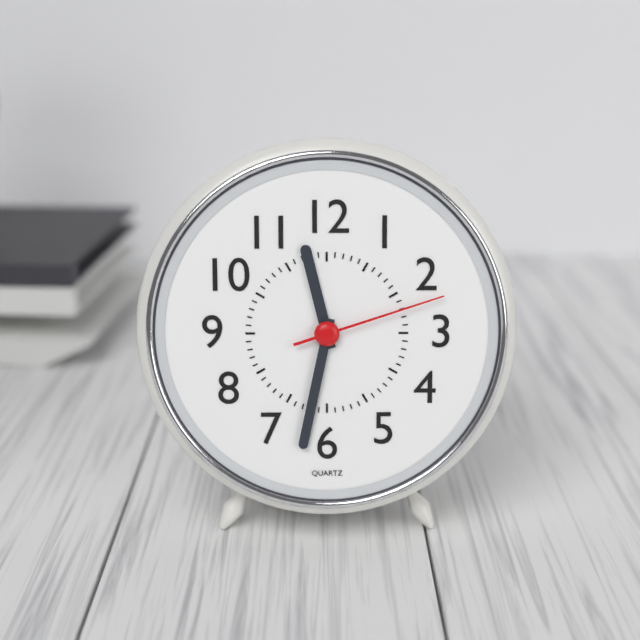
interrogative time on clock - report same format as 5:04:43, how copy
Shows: 11:32:12
